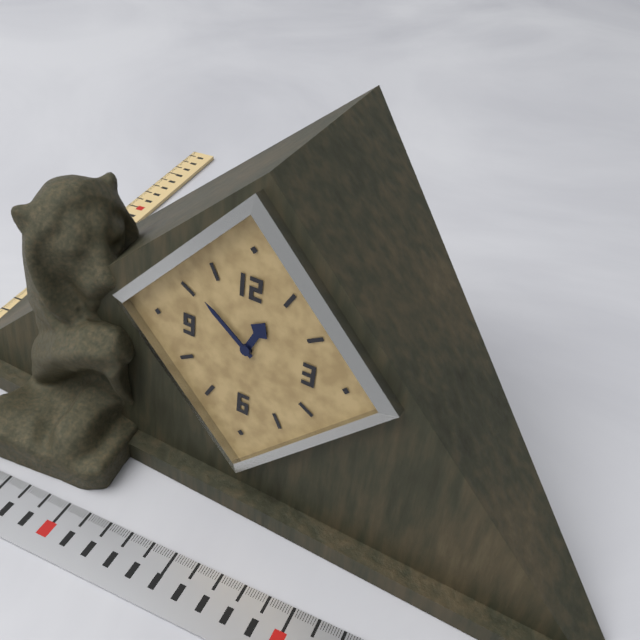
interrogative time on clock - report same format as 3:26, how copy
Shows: 12:51
